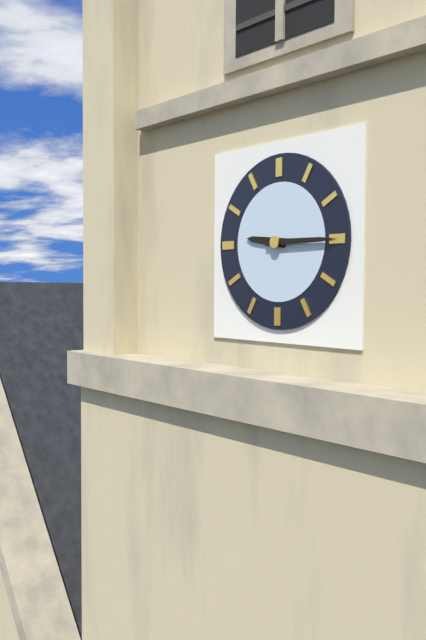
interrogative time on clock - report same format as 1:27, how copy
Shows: 9:15
